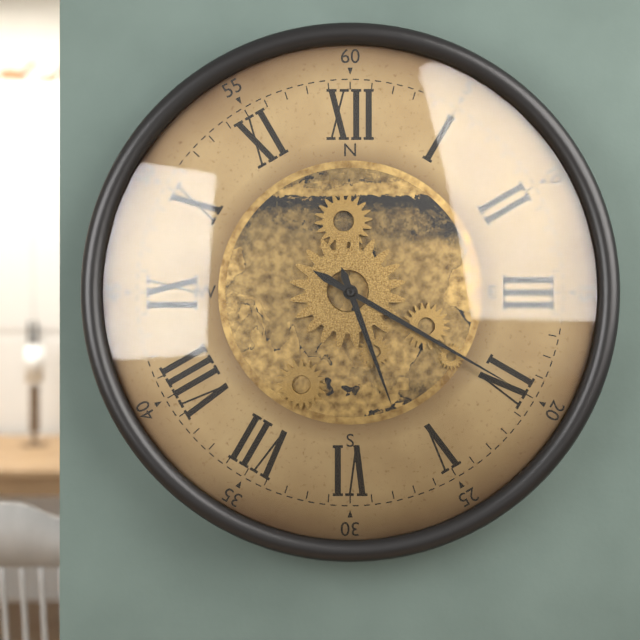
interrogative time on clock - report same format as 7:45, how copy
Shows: 5:20
